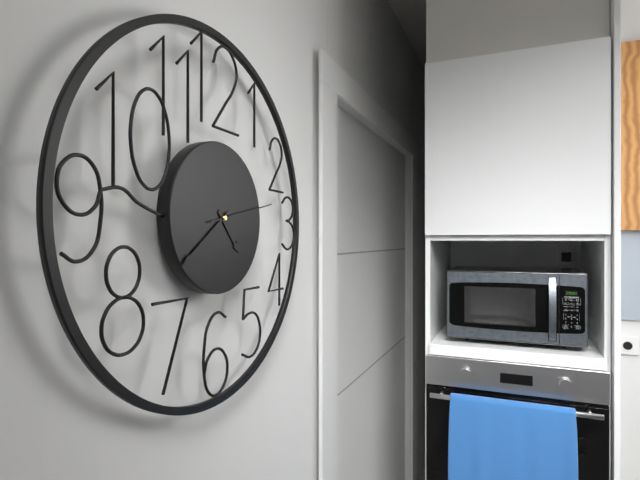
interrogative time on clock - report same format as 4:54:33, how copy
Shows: 4:39:13
